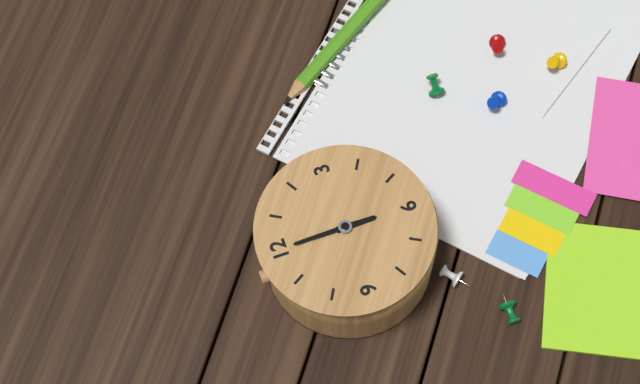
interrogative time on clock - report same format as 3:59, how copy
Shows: 6:00
